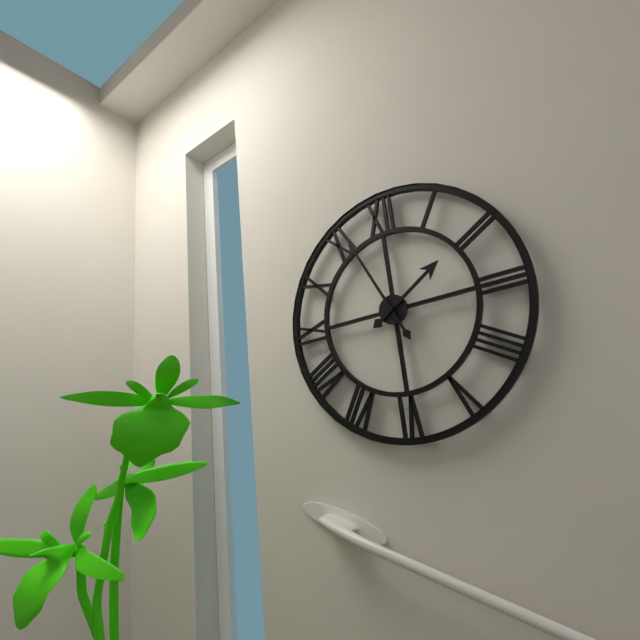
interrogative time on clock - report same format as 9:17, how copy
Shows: 1:56
